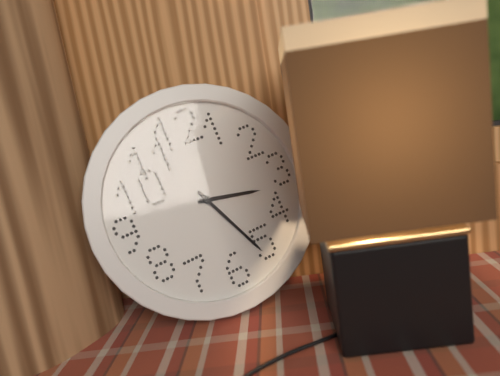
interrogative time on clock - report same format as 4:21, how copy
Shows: 3:26
